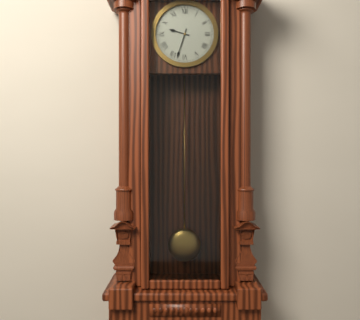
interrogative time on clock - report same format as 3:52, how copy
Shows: 9:33
